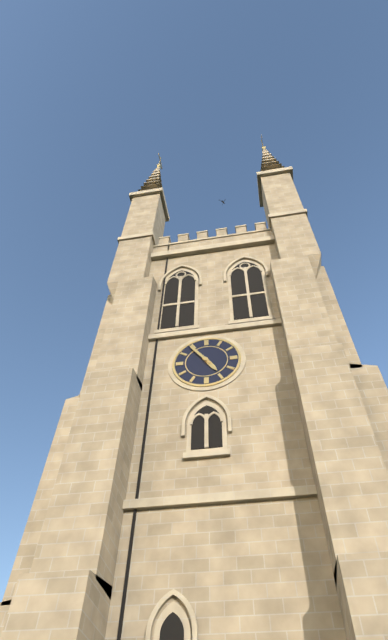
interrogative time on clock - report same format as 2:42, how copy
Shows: 4:54
